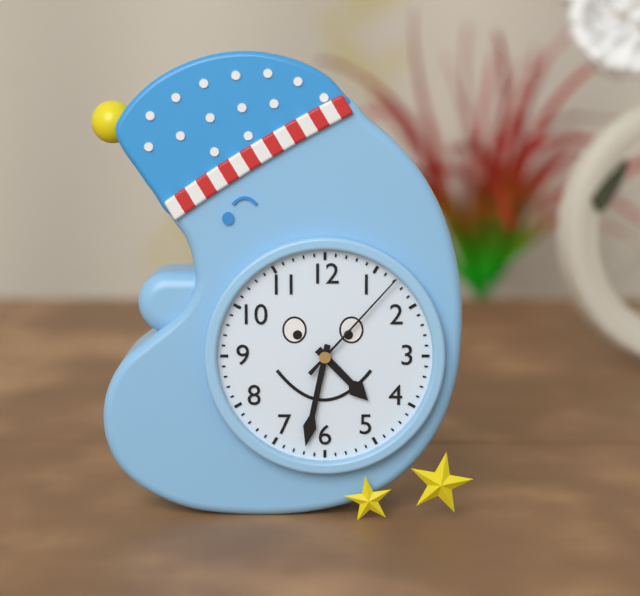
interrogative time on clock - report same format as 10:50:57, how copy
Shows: 4:32:07
